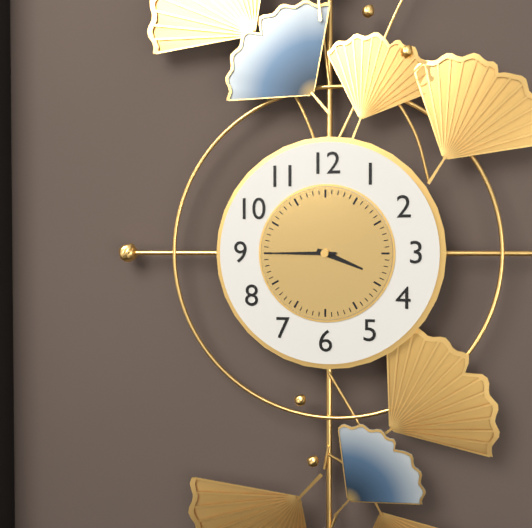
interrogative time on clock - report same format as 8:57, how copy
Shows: 3:45
